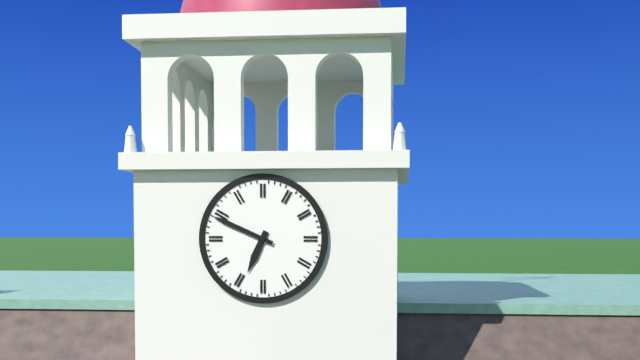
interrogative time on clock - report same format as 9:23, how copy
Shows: 6:49
